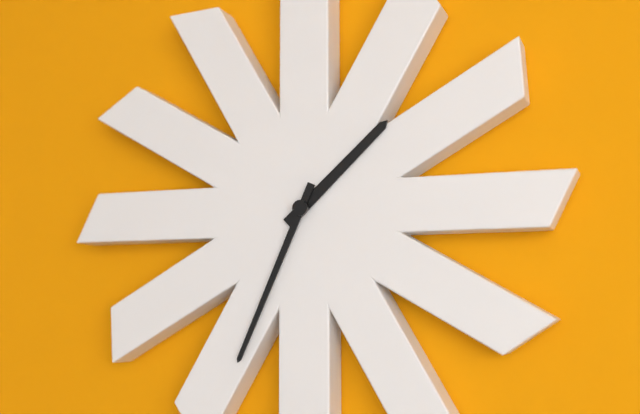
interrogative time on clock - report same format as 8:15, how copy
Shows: 1:34
